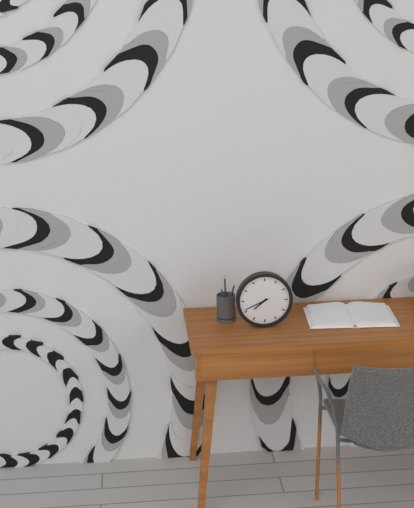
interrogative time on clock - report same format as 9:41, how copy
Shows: 7:41
